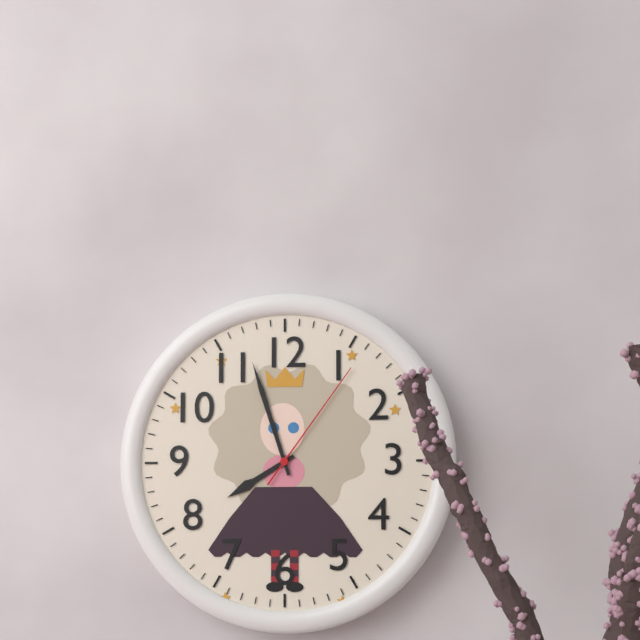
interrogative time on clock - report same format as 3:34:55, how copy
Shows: 7:57:06
